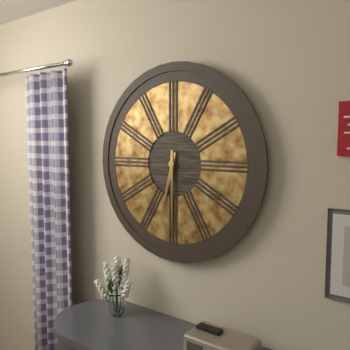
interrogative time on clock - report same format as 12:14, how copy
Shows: 6:30
